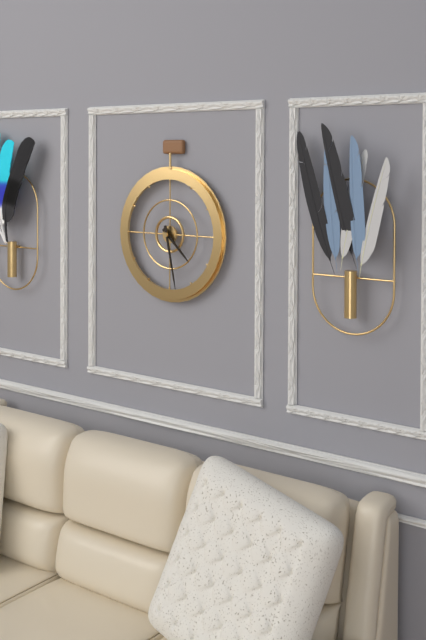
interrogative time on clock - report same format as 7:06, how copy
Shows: 4:28
